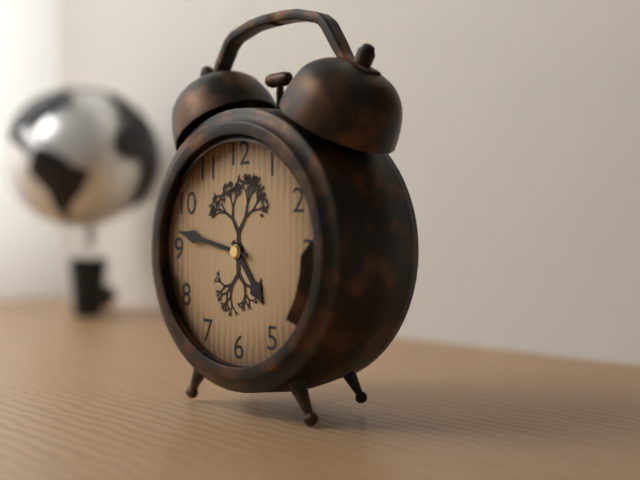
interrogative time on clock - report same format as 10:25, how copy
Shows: 4:47
